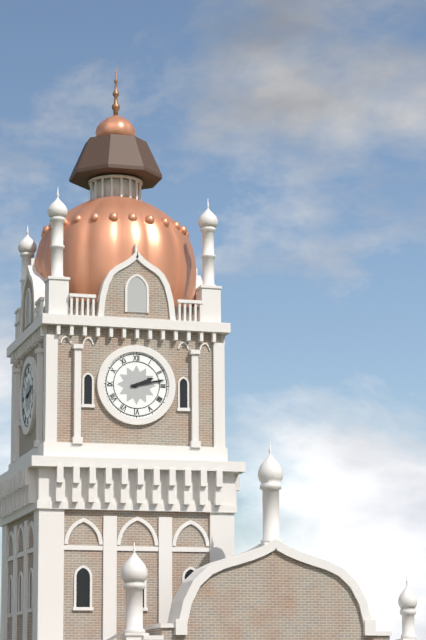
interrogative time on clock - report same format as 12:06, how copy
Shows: 2:13
